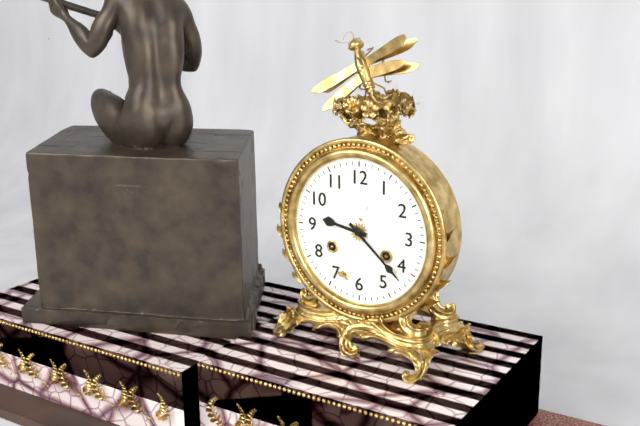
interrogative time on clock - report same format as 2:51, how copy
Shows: 9:22
